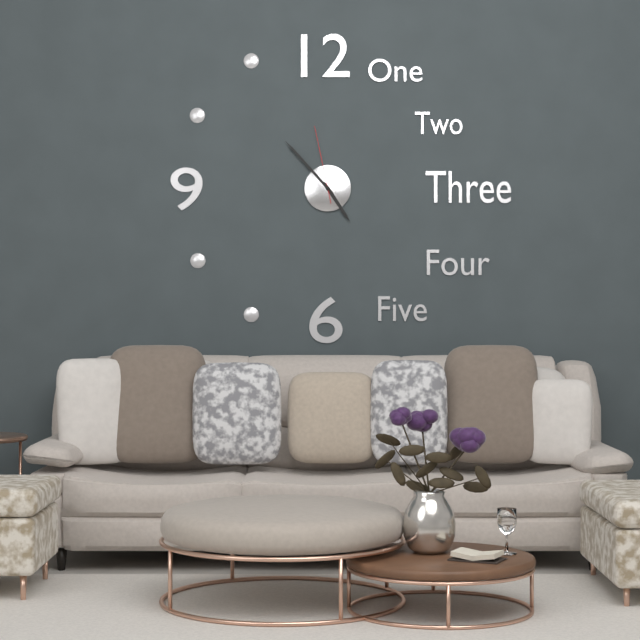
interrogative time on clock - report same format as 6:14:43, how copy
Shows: 4:53:58
